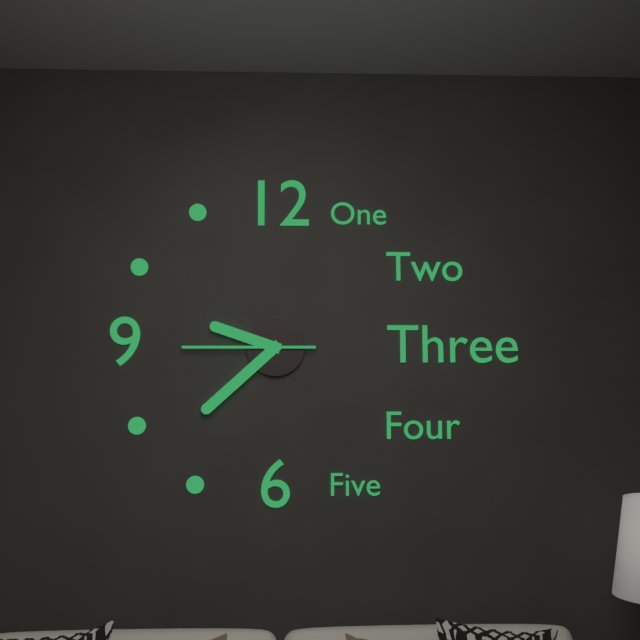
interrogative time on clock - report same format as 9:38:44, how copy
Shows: 9:38:45
